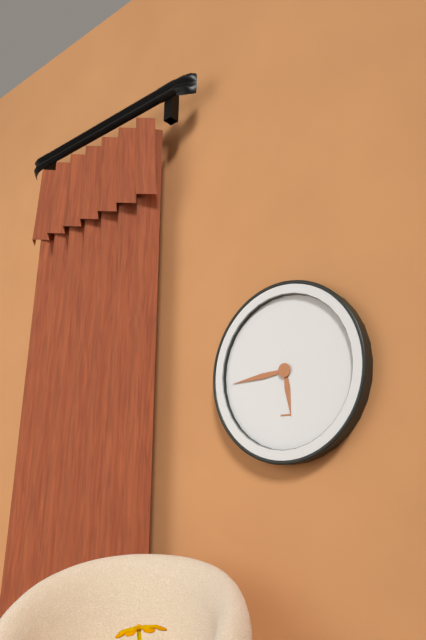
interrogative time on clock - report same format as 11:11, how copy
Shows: 5:44
